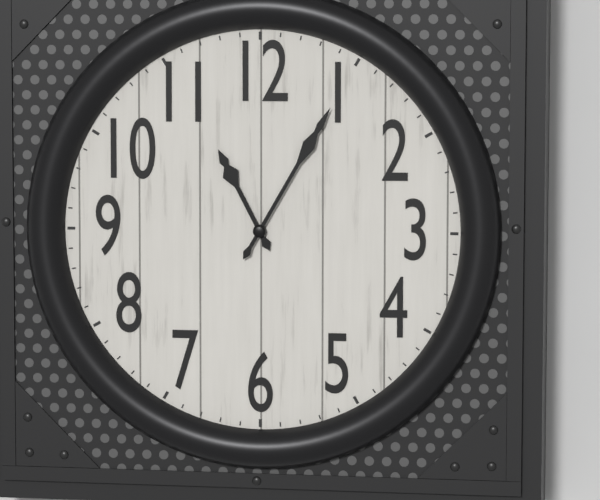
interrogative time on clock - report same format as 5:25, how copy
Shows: 11:05
